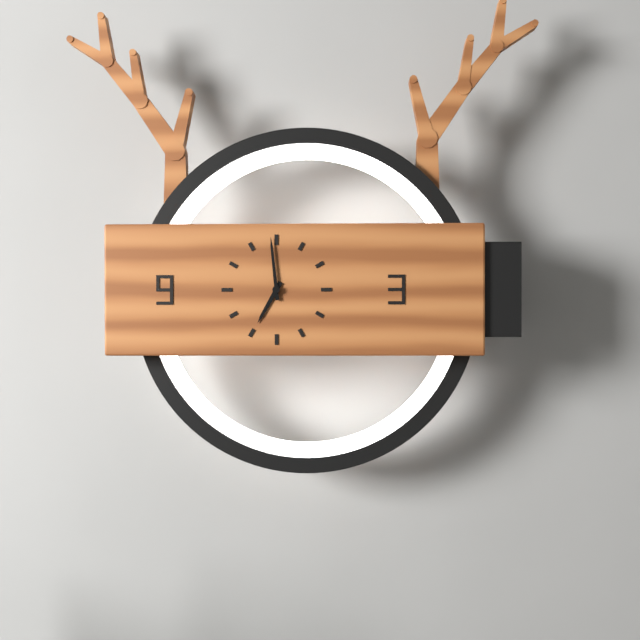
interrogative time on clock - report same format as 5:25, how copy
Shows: 6:59
